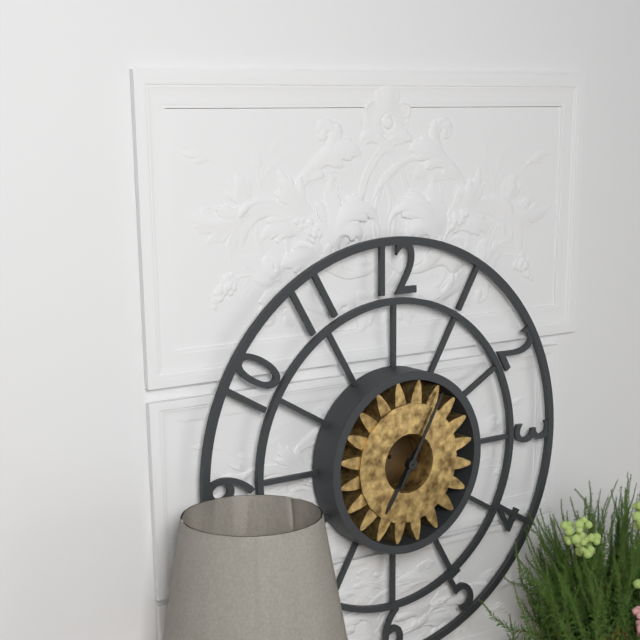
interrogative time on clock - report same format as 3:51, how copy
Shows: 7:05
